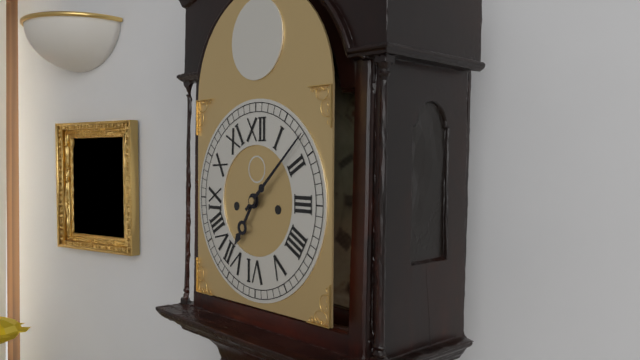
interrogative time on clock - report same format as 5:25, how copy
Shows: 7:08
